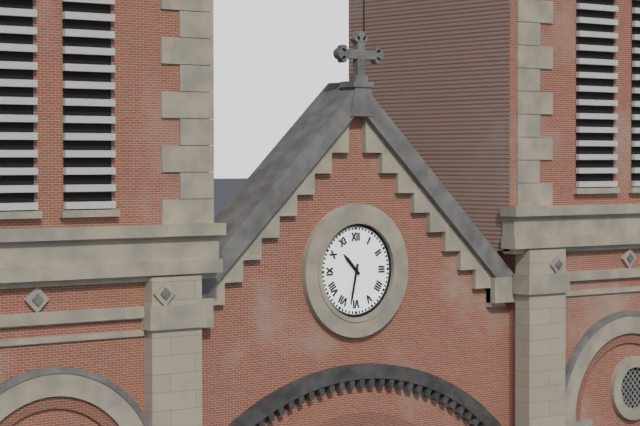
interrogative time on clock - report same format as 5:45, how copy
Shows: 10:32
